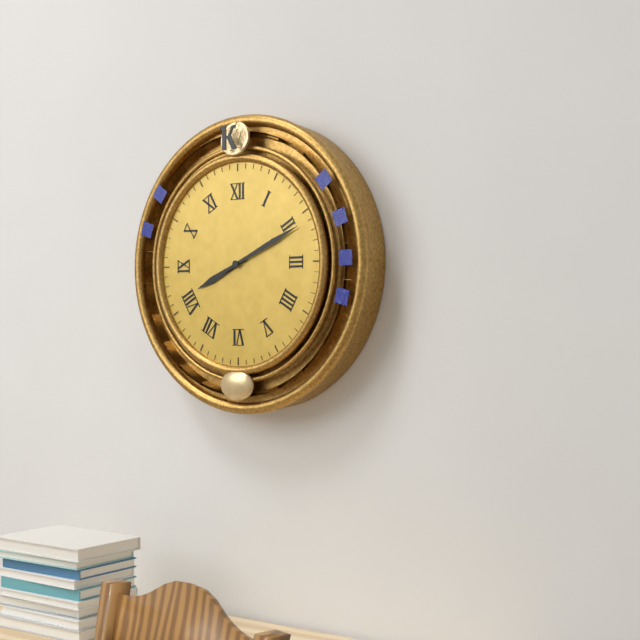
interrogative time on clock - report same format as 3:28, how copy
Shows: 8:11
